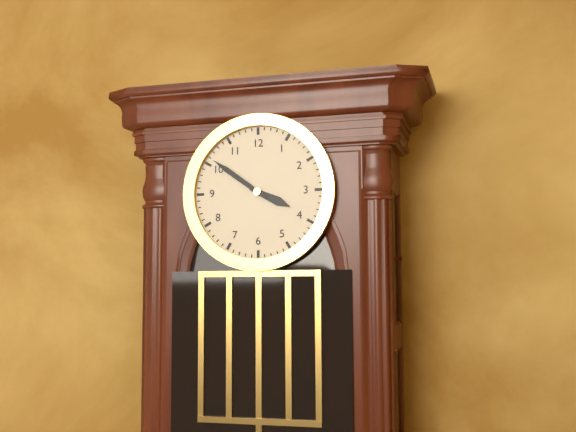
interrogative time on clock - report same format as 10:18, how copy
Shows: 3:51
